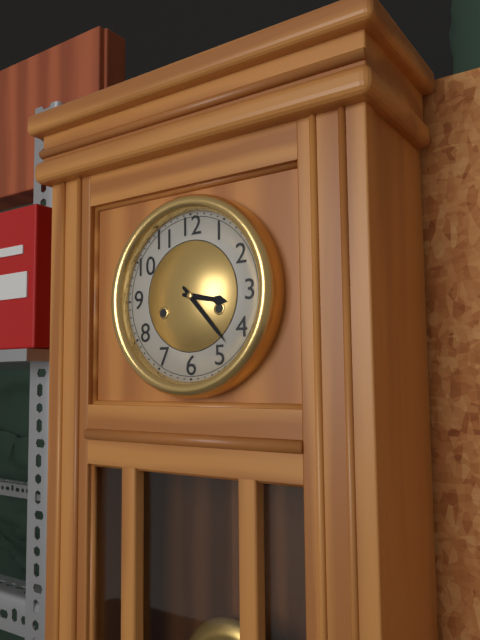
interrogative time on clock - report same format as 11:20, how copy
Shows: 3:23
